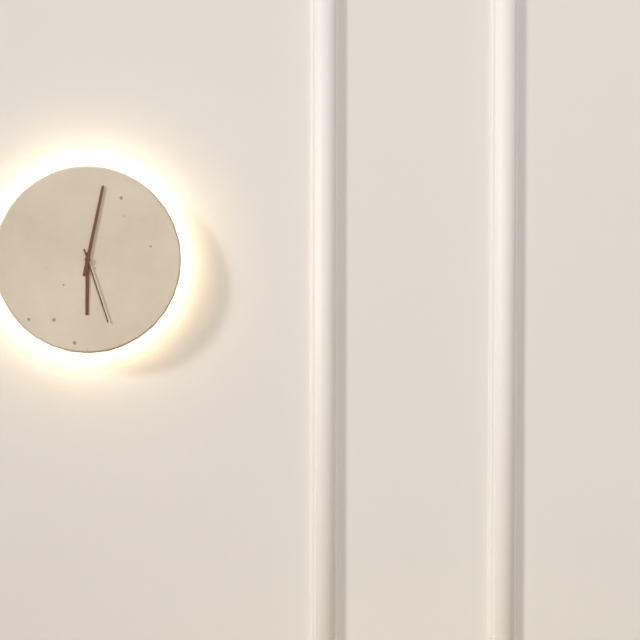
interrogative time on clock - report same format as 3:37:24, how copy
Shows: 6:02:27
